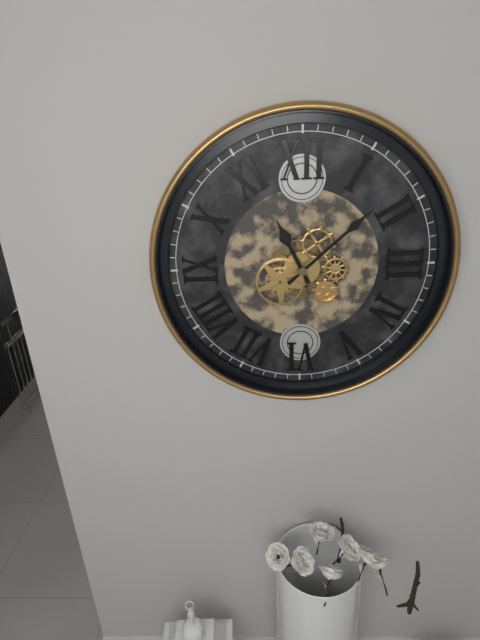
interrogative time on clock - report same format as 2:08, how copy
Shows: 11:08
